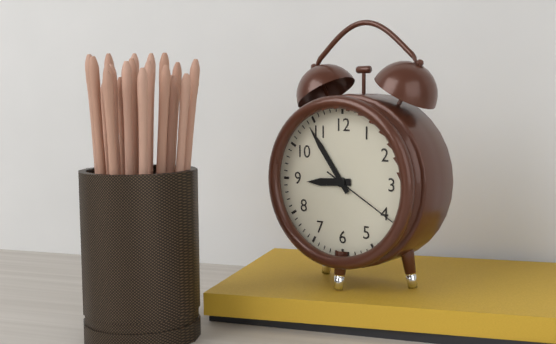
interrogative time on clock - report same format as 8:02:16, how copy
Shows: 8:54:20
